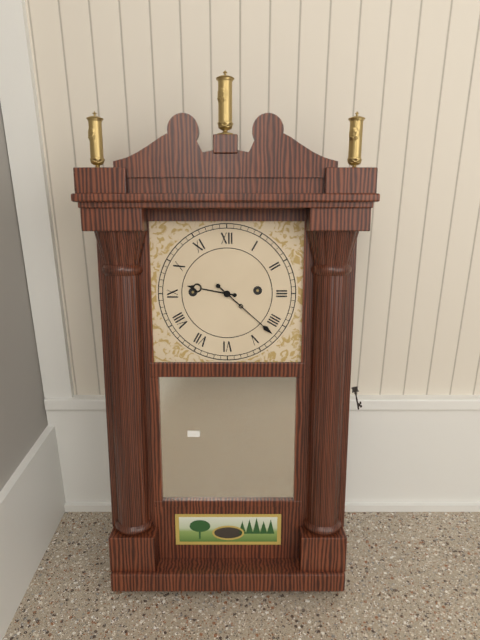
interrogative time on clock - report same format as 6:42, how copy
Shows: 9:22
